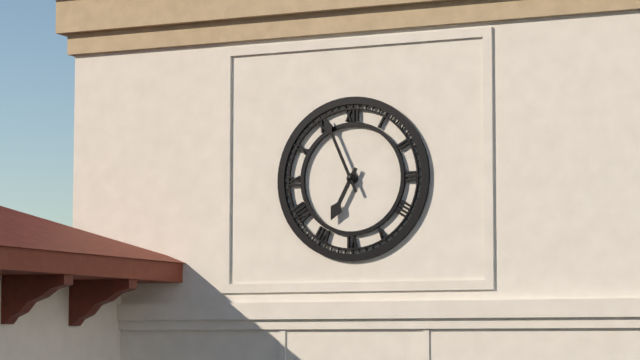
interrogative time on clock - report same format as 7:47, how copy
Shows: 6:56
